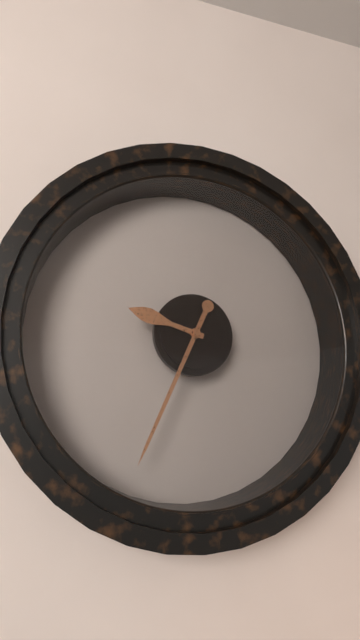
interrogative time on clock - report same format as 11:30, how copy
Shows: 9:34
